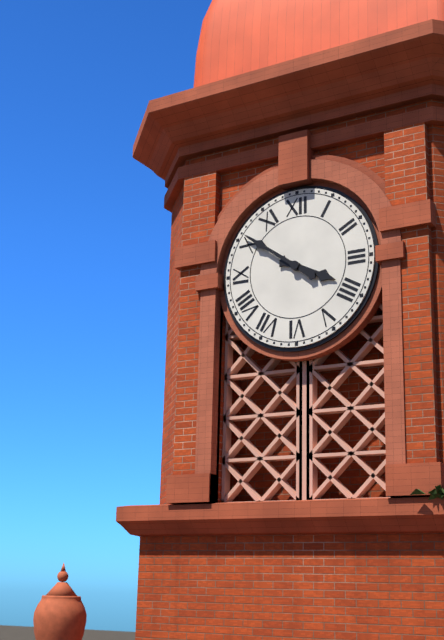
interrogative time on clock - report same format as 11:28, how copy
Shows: 3:51
